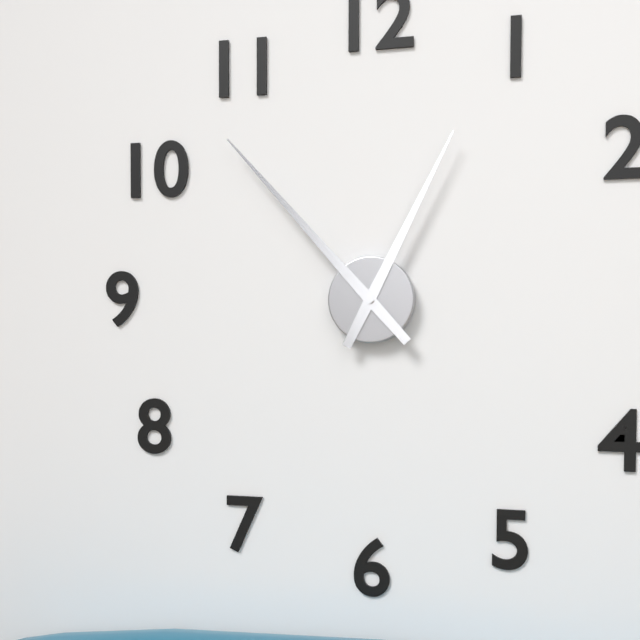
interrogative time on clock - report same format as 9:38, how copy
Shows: 12:53
